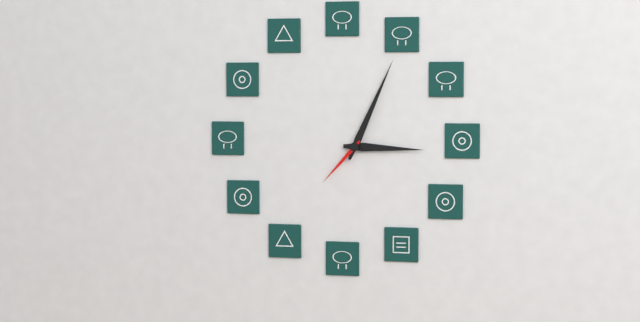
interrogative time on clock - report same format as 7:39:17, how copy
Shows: 3:04:37
